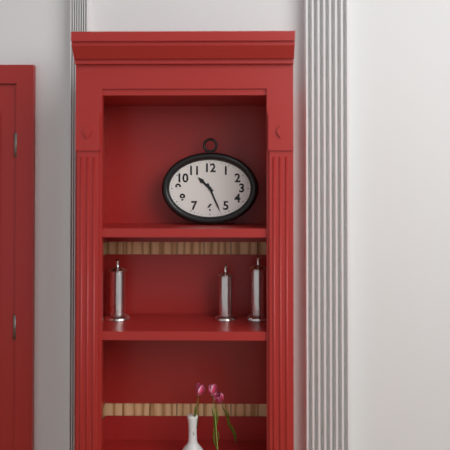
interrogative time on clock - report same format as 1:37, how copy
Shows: 10:26
